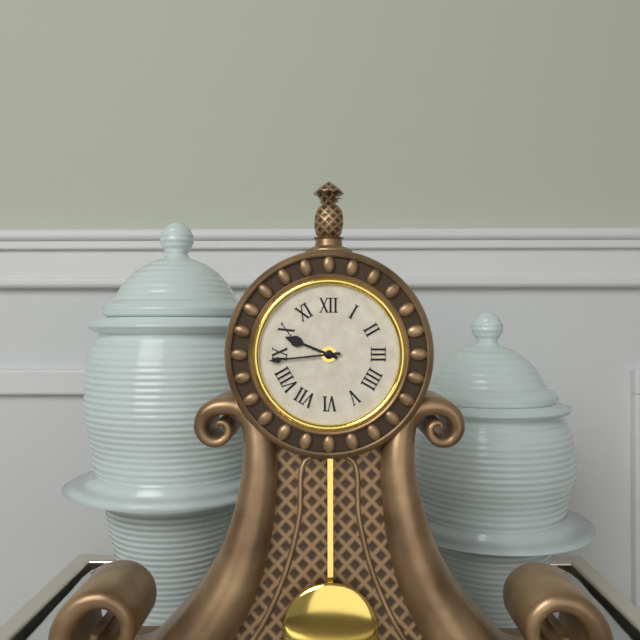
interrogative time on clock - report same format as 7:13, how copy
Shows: 9:44
